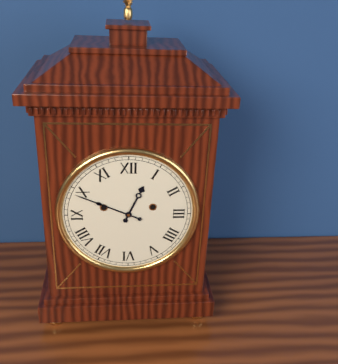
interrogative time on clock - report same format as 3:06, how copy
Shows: 12:49
